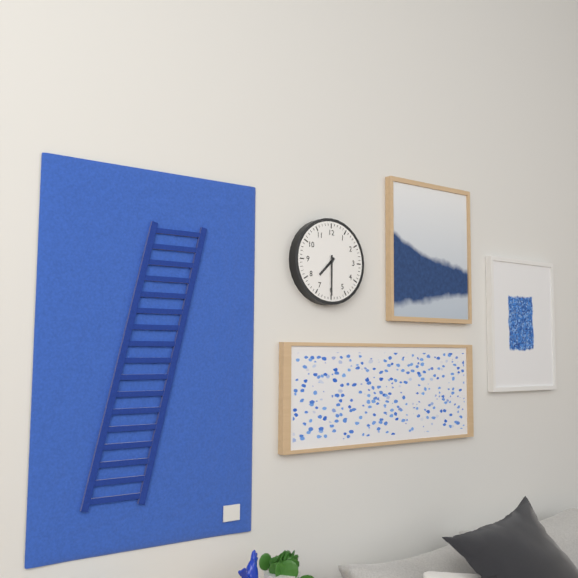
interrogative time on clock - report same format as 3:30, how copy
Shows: 7:30
